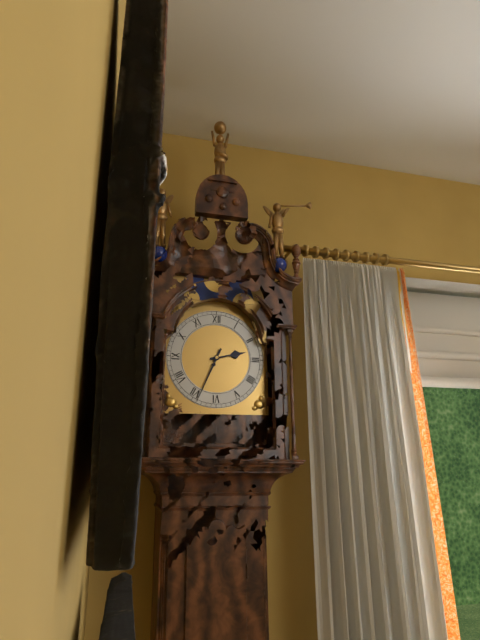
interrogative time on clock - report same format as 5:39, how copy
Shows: 2:34
